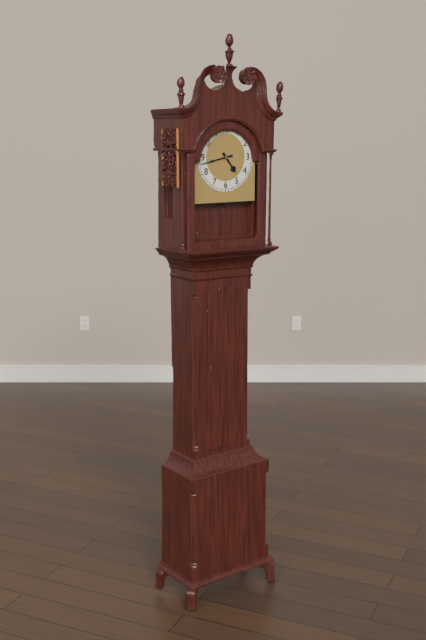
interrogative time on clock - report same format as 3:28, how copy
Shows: 4:43
